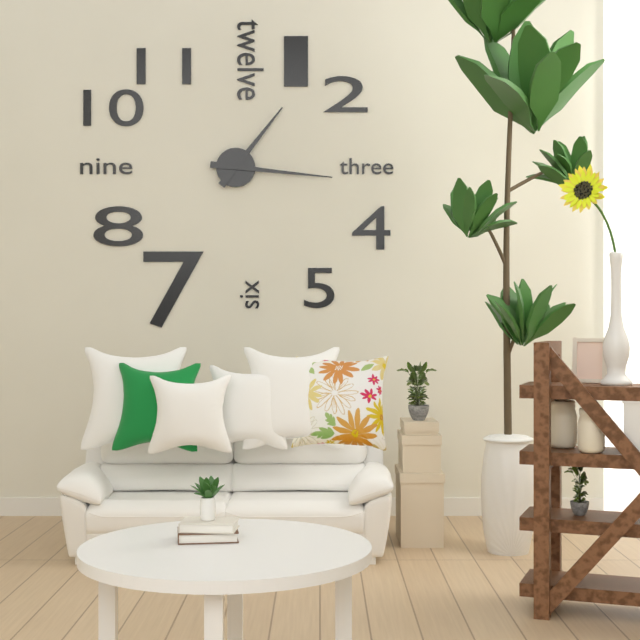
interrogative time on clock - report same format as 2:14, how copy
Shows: 1:16
